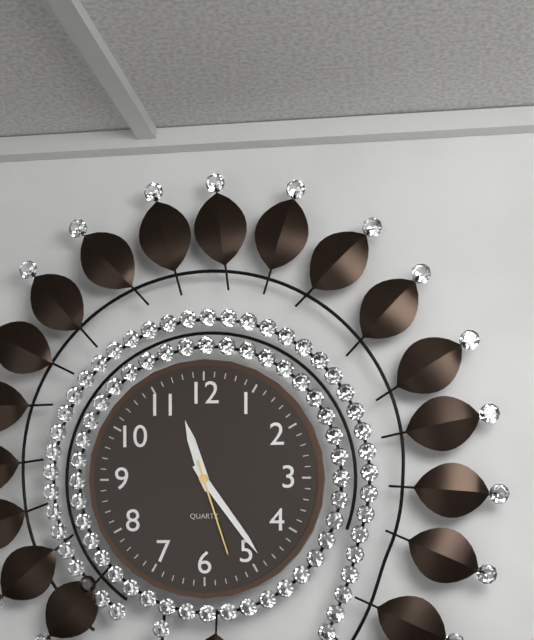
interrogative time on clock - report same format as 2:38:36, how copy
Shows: 11:24:27
